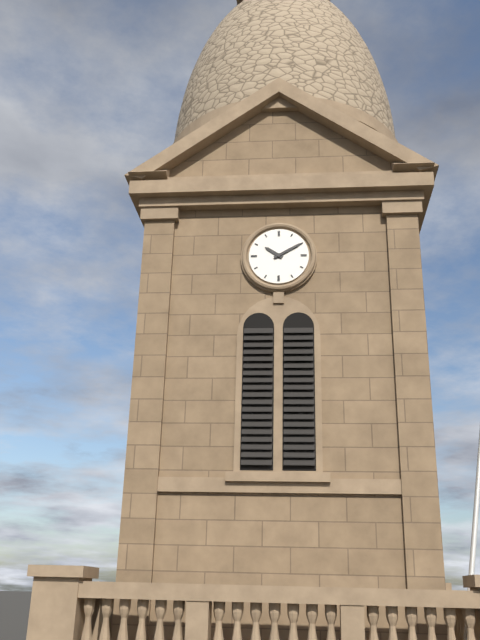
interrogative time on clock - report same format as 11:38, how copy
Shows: 10:10
